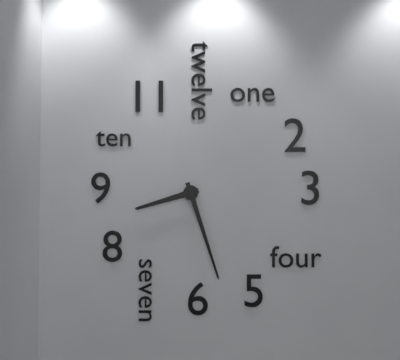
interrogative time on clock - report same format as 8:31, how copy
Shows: 8:27
